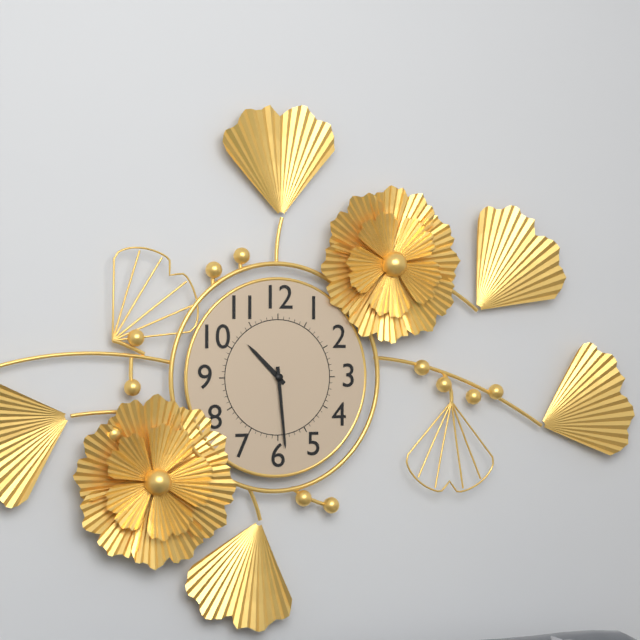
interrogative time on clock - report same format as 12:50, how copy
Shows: 10:29
